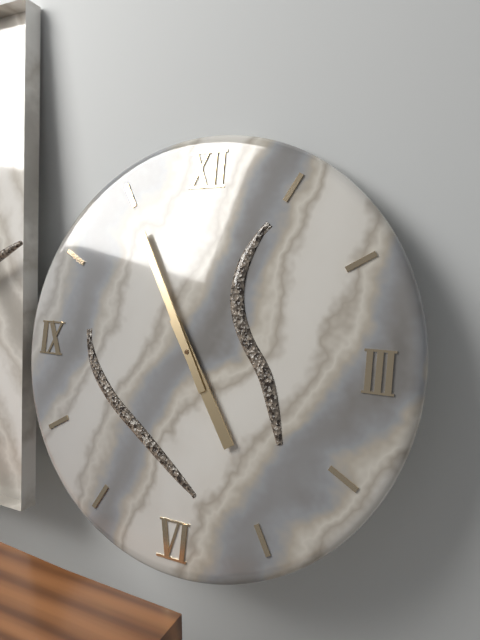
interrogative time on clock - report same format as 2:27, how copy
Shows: 4:55
